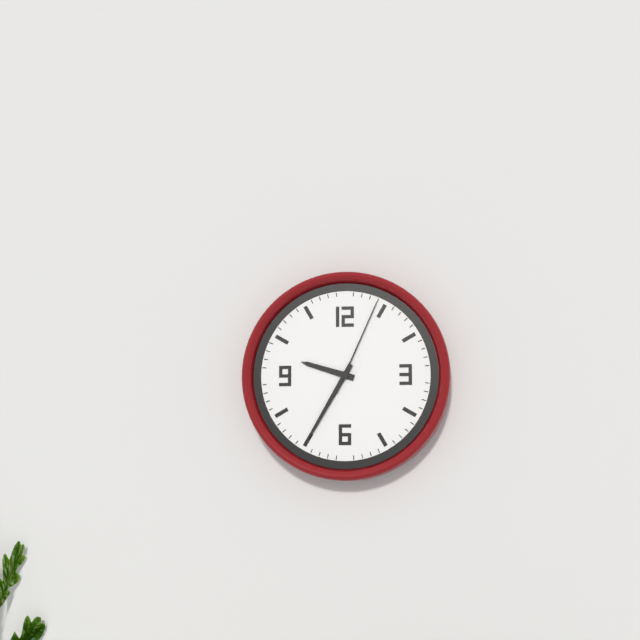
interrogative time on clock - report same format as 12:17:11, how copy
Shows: 9:35:04
